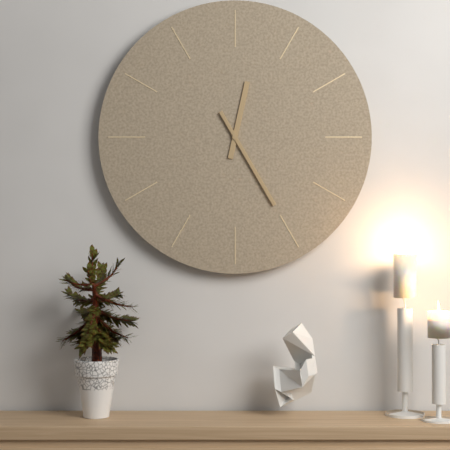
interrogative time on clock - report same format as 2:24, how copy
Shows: 12:25
